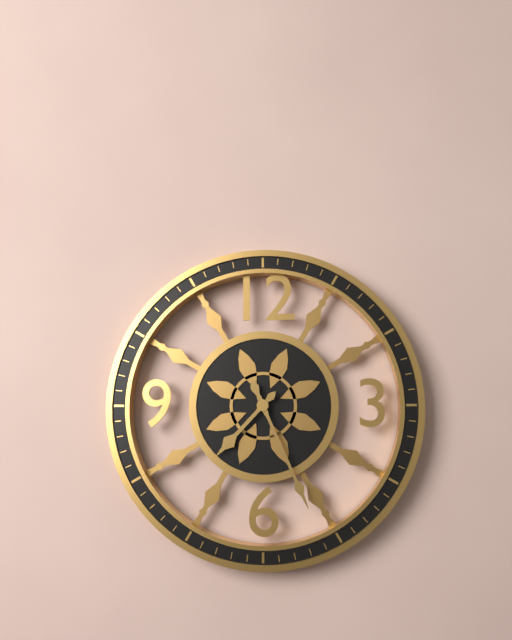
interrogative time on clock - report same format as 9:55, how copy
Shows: 7:26
